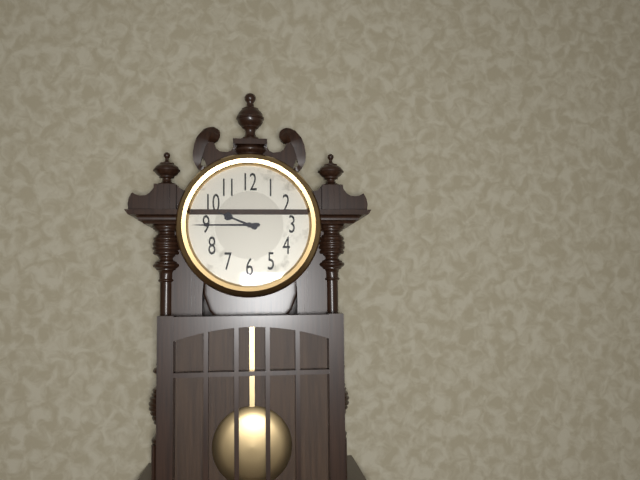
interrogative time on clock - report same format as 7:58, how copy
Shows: 9:45
